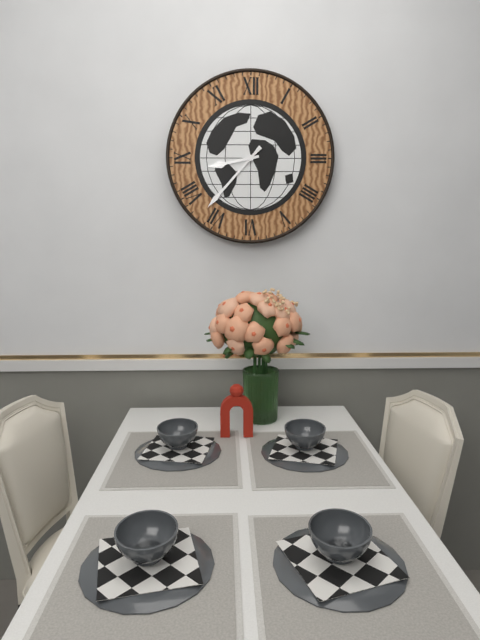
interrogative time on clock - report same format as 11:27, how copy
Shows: 8:37
